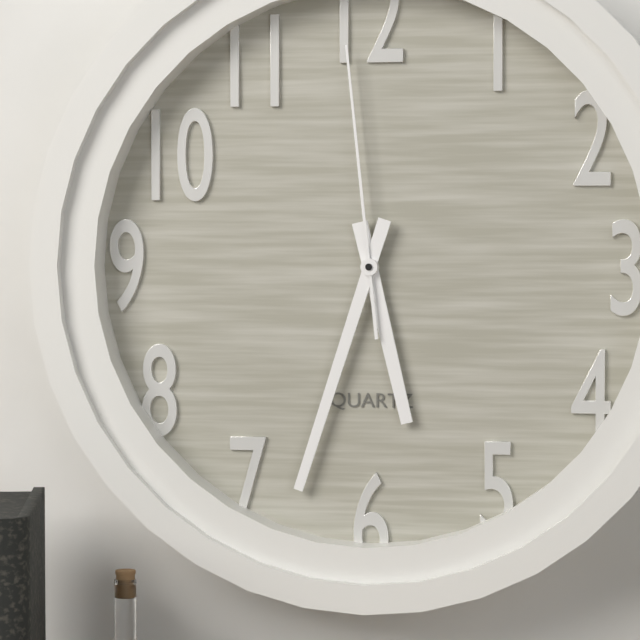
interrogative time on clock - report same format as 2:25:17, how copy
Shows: 5:33:59
